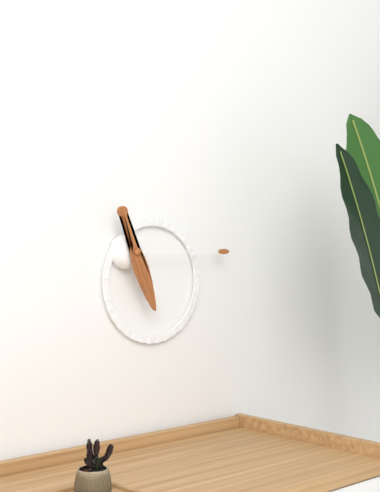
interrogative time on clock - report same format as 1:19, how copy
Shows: 5:15
